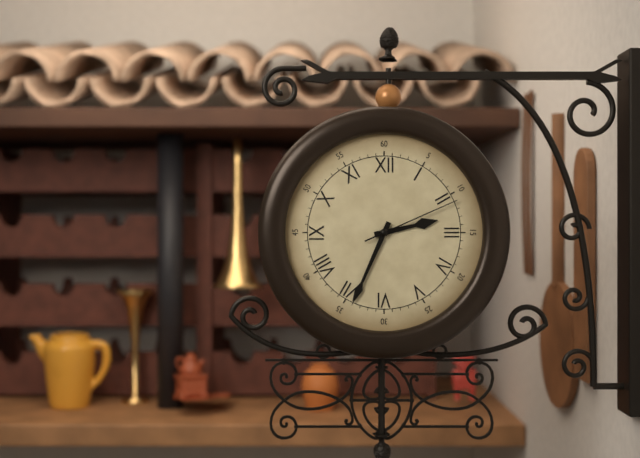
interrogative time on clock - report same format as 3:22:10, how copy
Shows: 2:34:11
